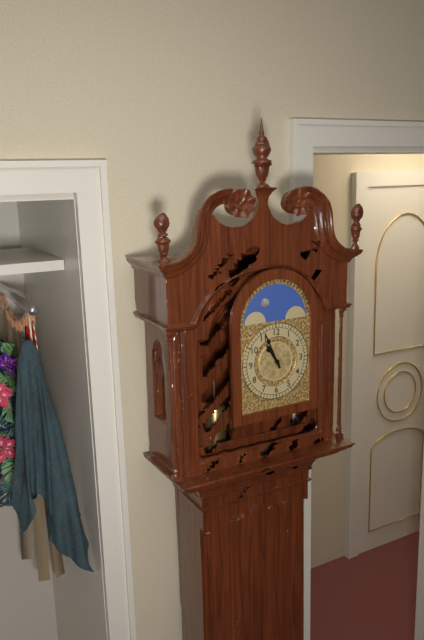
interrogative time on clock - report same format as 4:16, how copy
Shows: 10:56
